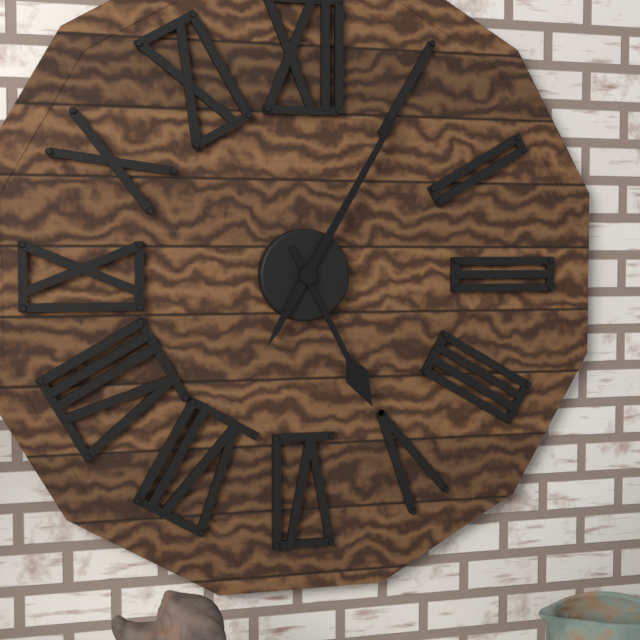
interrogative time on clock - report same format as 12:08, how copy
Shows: 5:05
